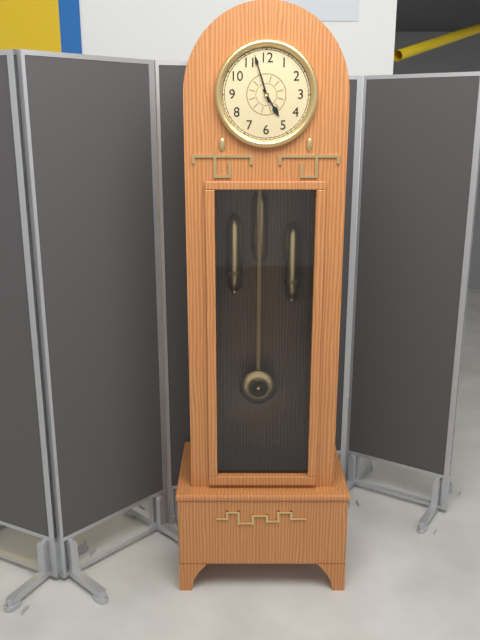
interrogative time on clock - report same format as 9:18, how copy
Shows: 4:57
